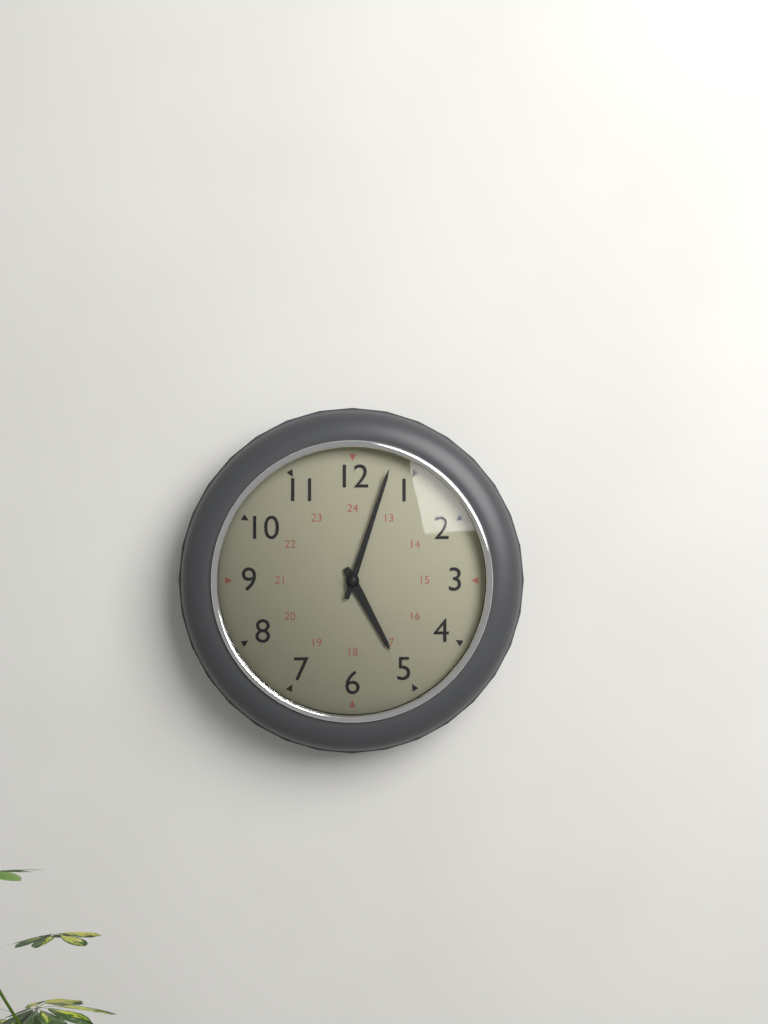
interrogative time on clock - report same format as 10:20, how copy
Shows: 5:03
